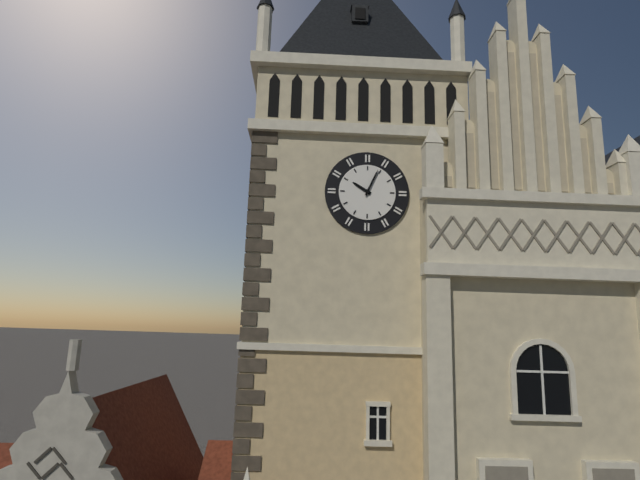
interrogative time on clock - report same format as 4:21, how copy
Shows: 10:04
